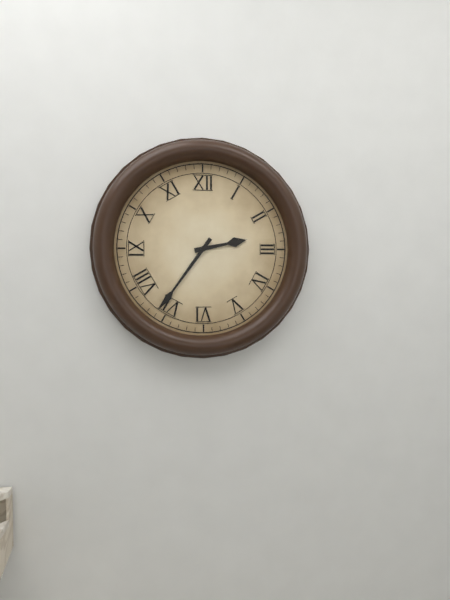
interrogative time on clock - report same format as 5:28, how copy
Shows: 2:36
